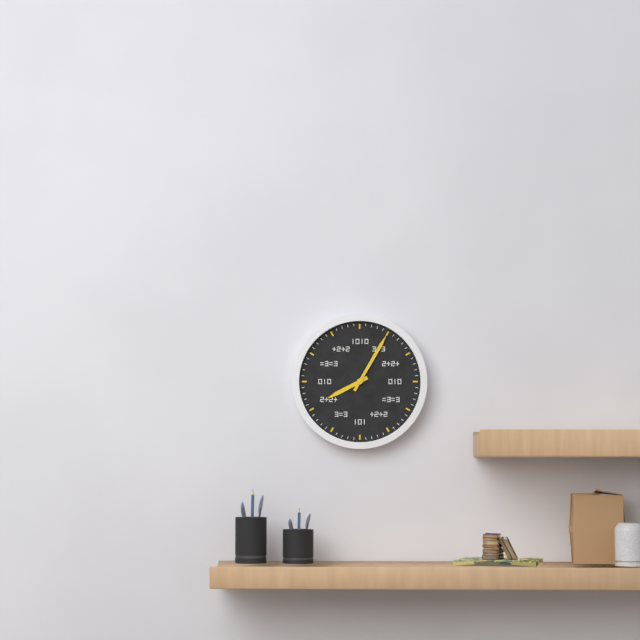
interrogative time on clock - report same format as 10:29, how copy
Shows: 8:05
